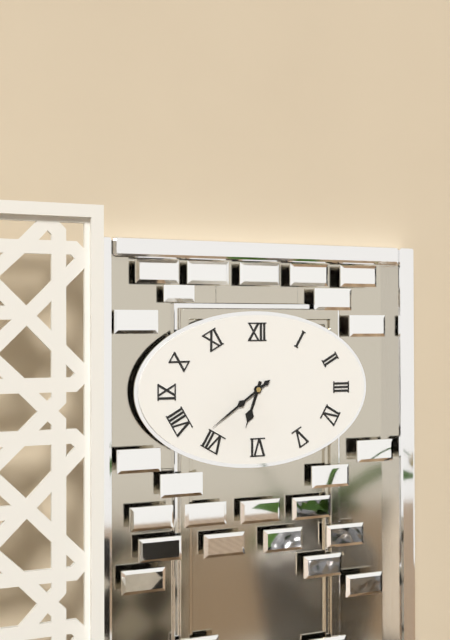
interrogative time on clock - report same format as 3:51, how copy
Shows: 6:39
